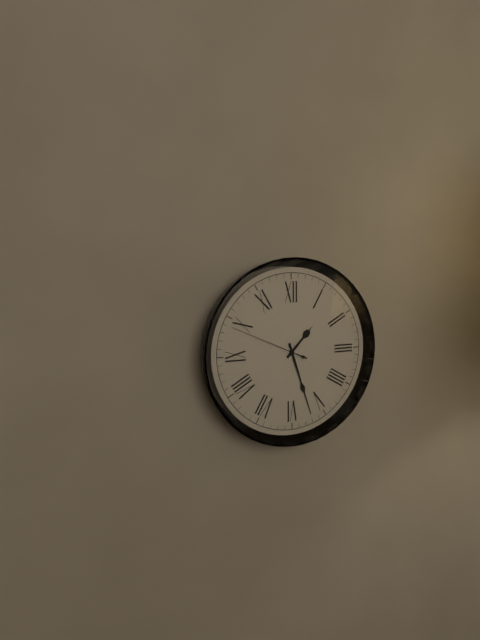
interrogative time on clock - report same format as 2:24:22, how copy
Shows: 1:27:49
